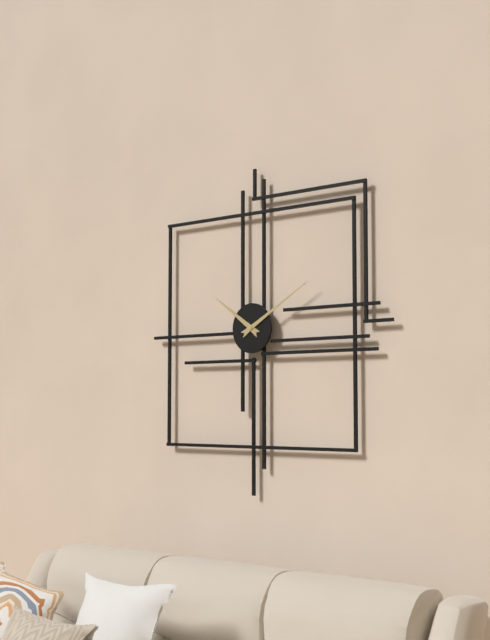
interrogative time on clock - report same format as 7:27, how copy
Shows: 10:10
